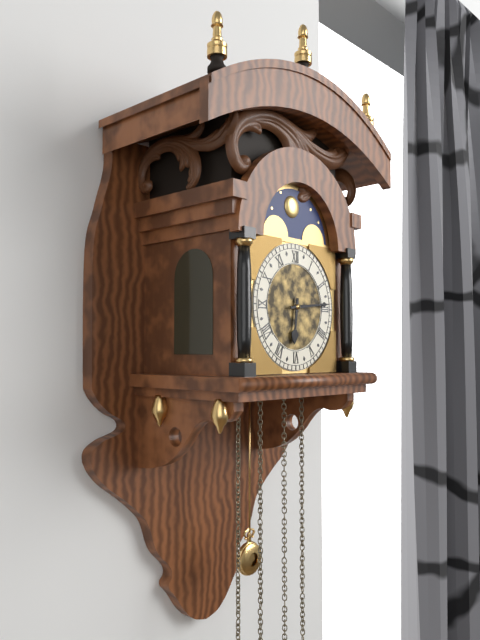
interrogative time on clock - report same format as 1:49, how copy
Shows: 6:14
